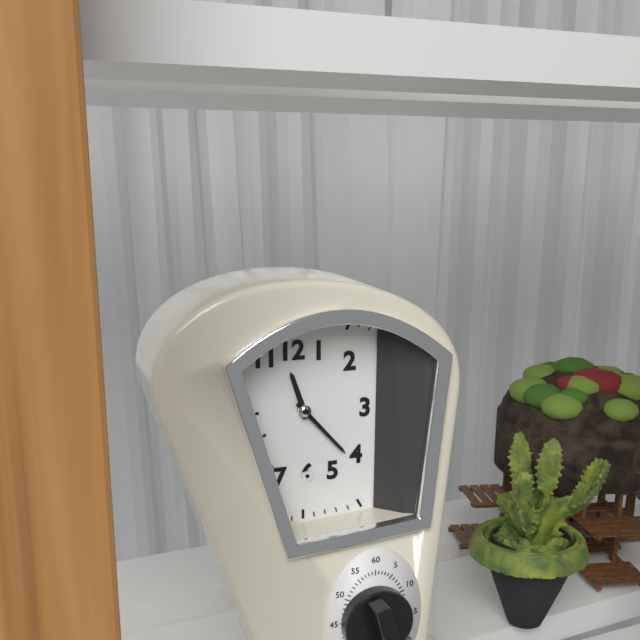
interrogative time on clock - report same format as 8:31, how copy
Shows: 11:23
